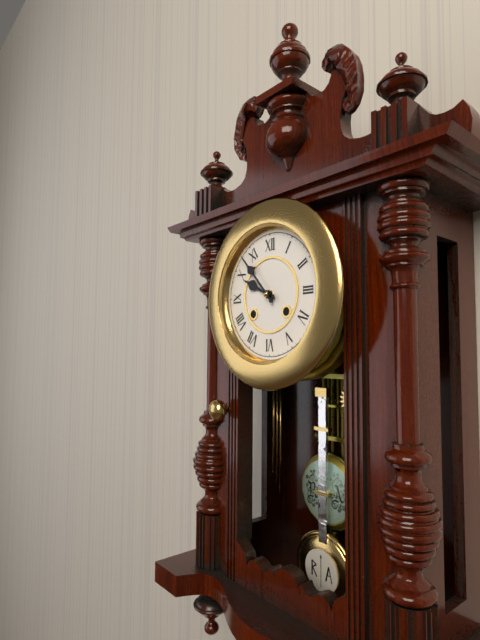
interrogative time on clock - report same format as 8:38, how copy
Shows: 9:53
